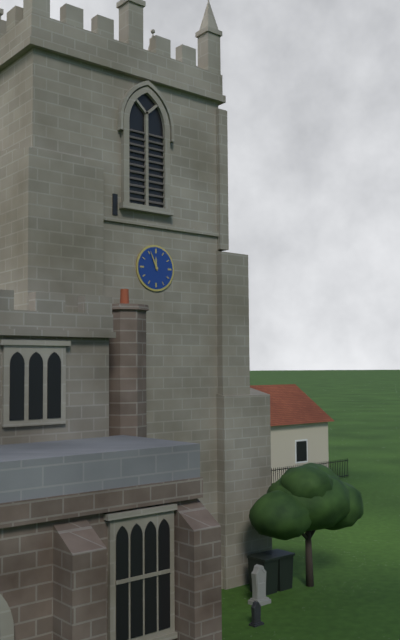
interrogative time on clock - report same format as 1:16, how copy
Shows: 11:56
